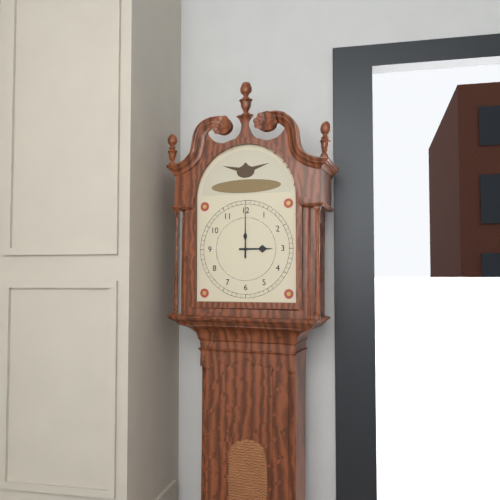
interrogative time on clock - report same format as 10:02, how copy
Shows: 3:00
